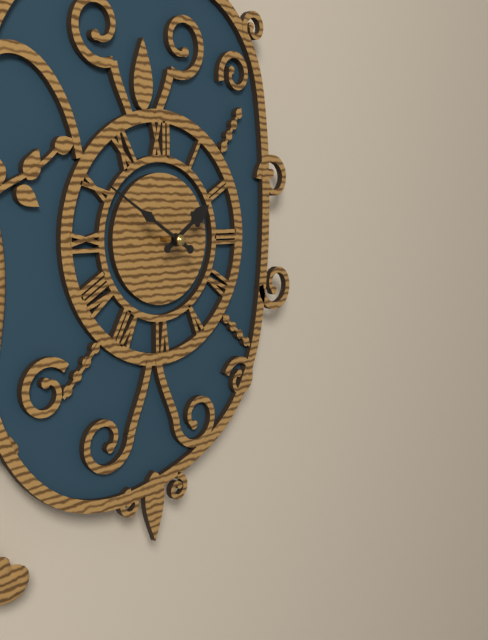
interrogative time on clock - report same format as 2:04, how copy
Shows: 1:50
